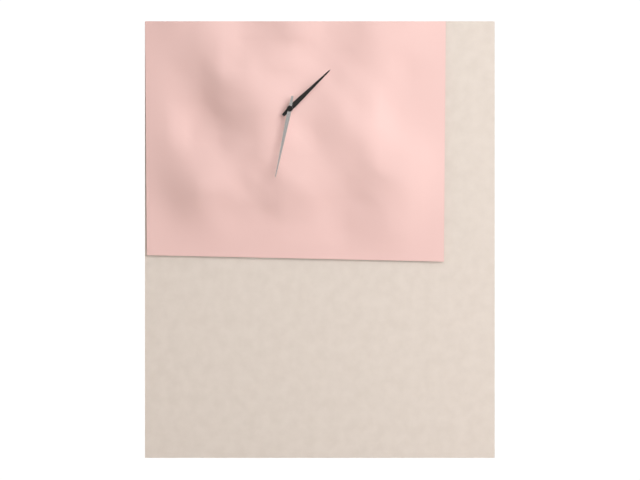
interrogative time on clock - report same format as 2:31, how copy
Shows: 1:32
